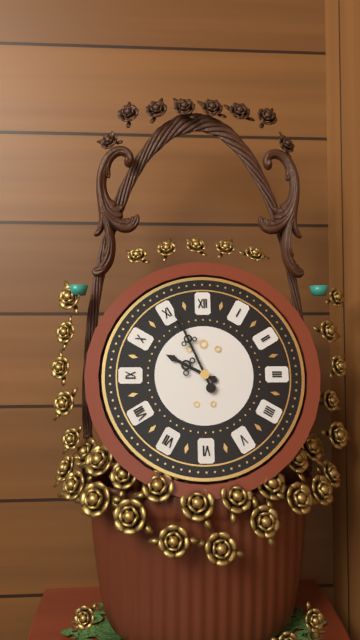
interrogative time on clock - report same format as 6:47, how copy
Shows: 9:56
